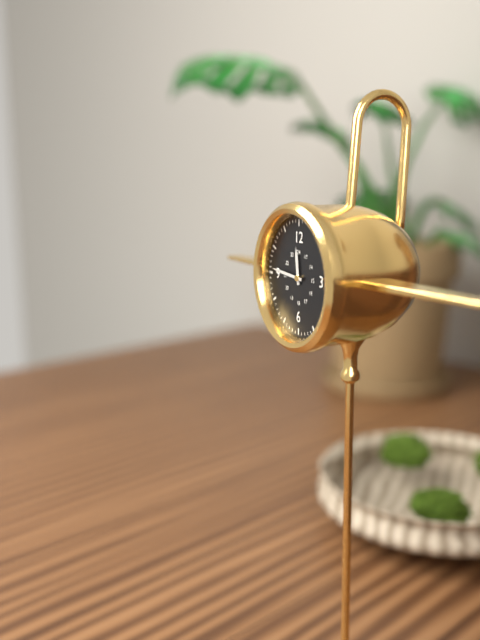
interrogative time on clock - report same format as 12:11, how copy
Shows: 11:46
